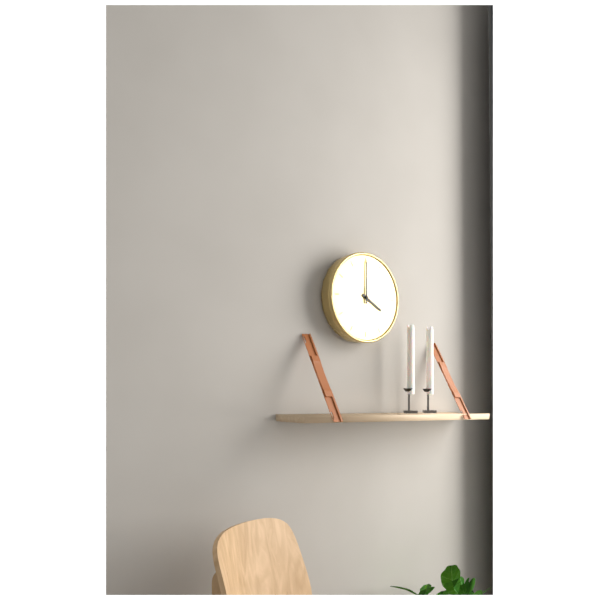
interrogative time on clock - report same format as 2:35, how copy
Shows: 4:00
